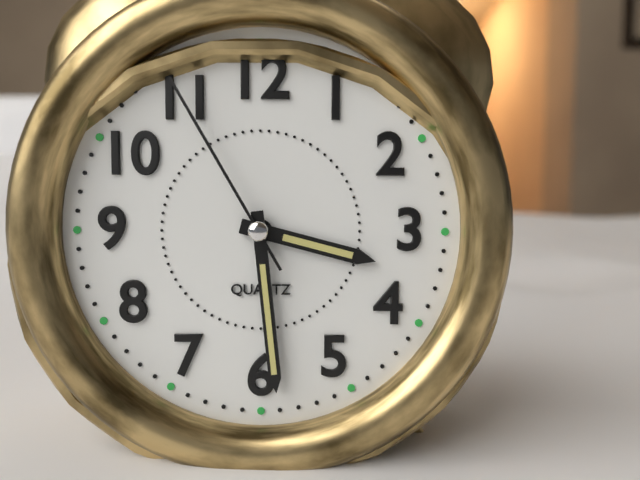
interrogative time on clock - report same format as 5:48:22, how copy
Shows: 3:29:55
